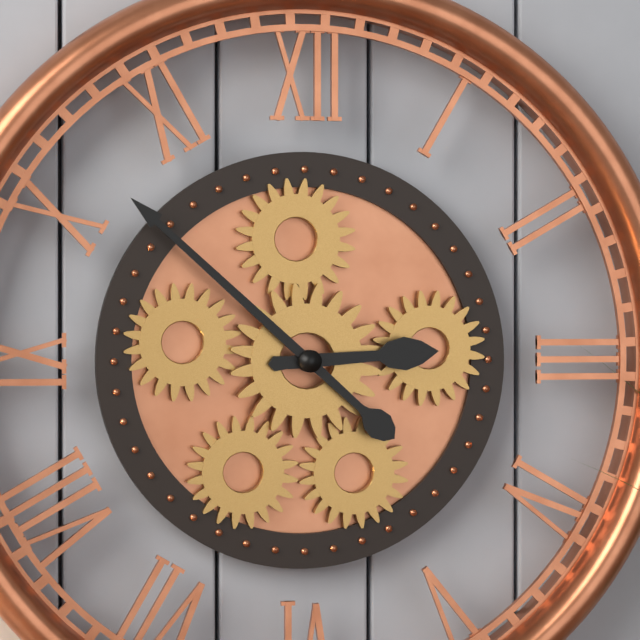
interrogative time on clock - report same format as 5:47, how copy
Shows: 2:52
